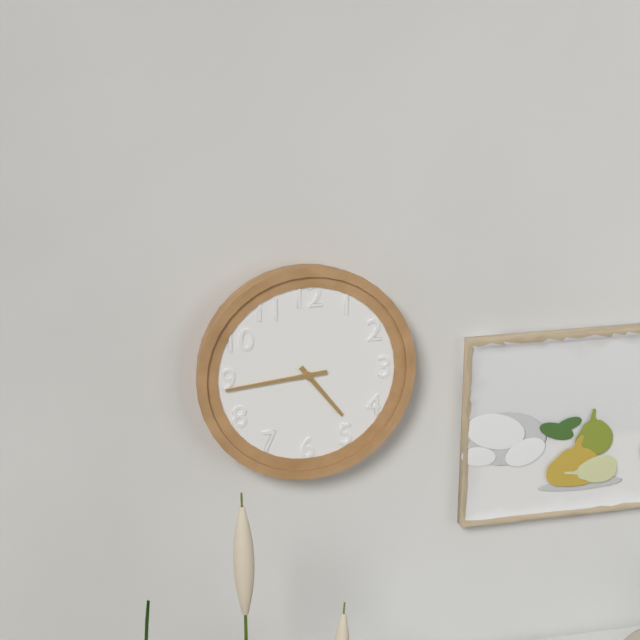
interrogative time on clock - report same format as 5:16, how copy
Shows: 4:44
